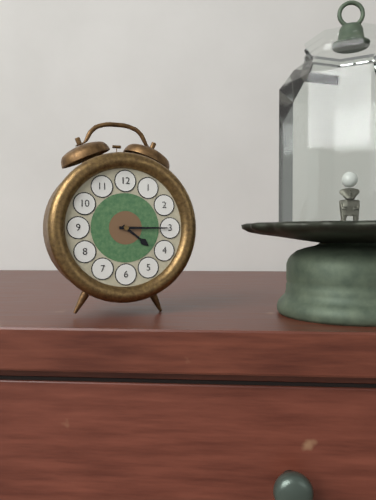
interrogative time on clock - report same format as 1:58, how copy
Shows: 4:15
